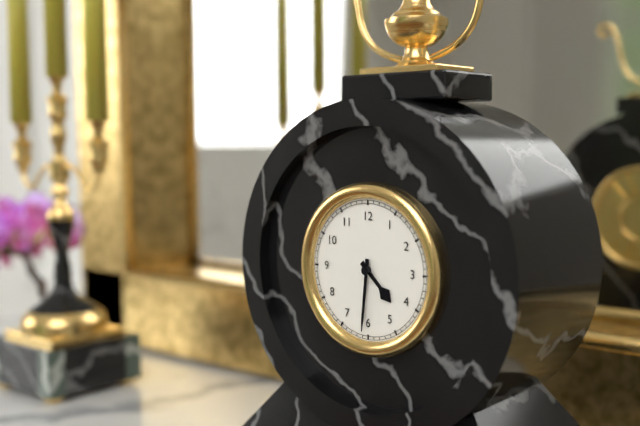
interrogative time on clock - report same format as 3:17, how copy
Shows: 4:31
